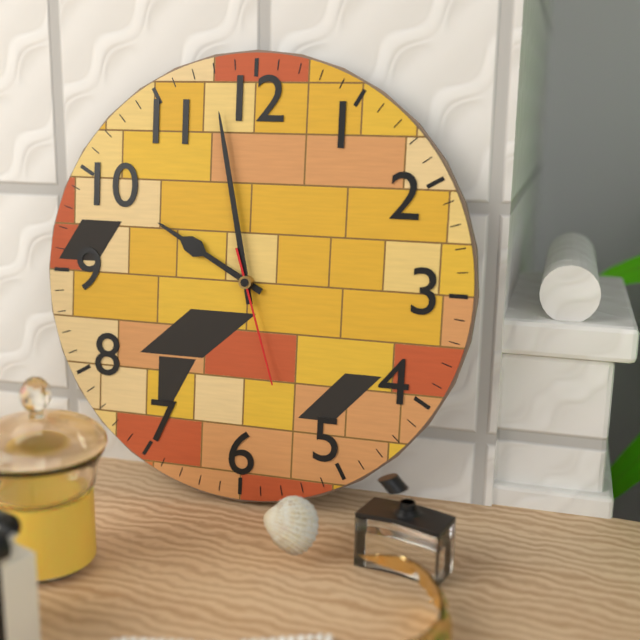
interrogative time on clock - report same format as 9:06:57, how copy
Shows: 9:58:27
